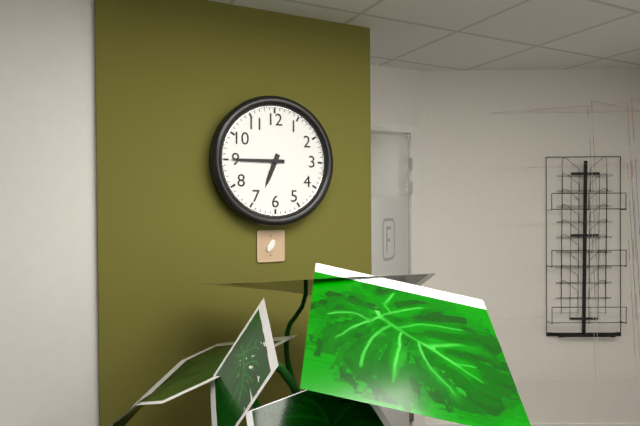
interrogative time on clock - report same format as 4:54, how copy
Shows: 6:45
